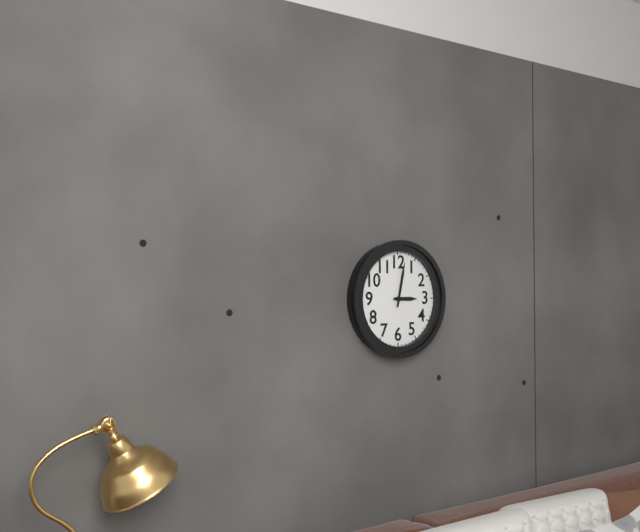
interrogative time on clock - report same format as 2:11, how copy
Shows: 3:02
